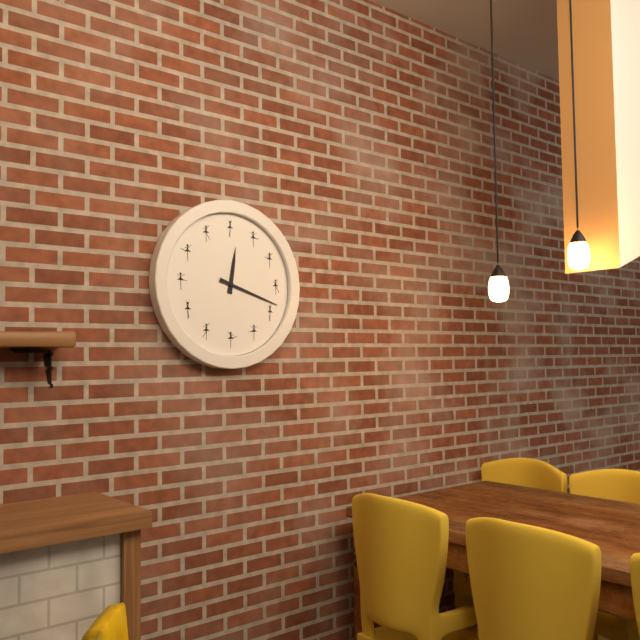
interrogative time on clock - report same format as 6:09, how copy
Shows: 12:18
